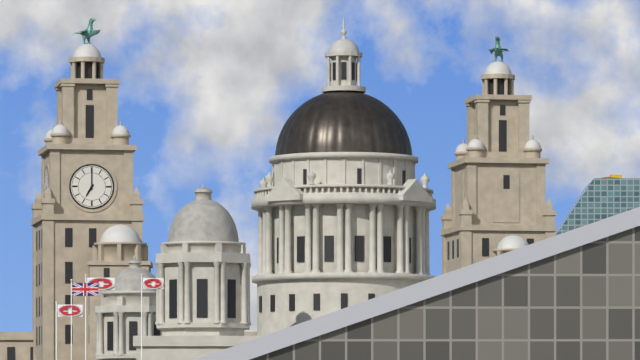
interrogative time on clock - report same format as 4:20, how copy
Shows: 7:00
